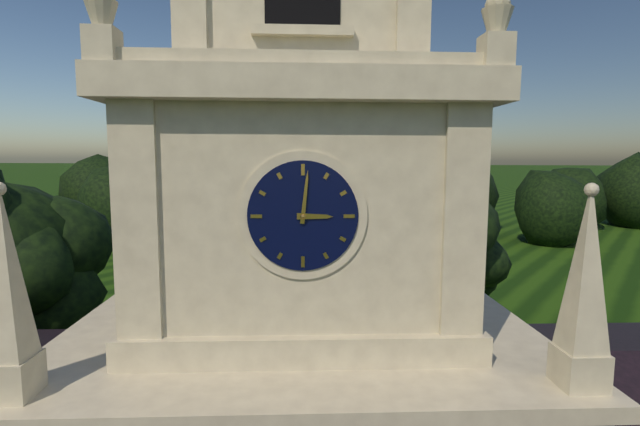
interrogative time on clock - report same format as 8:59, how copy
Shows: 3:01
